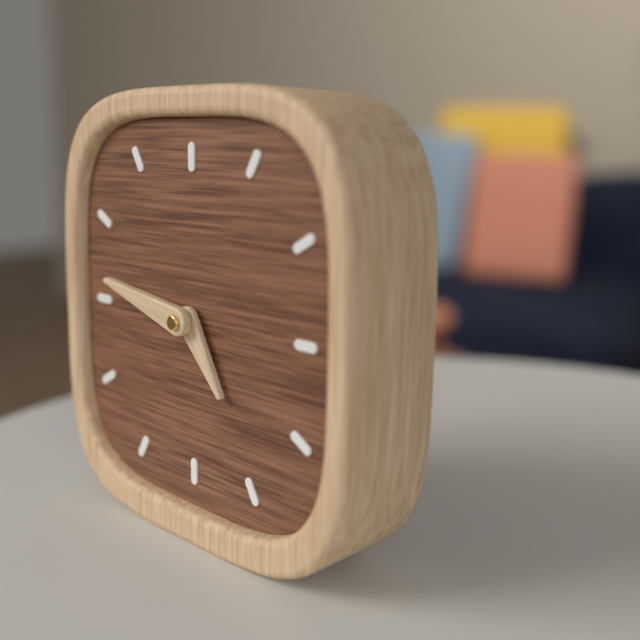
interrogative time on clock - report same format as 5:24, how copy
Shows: 4:47
